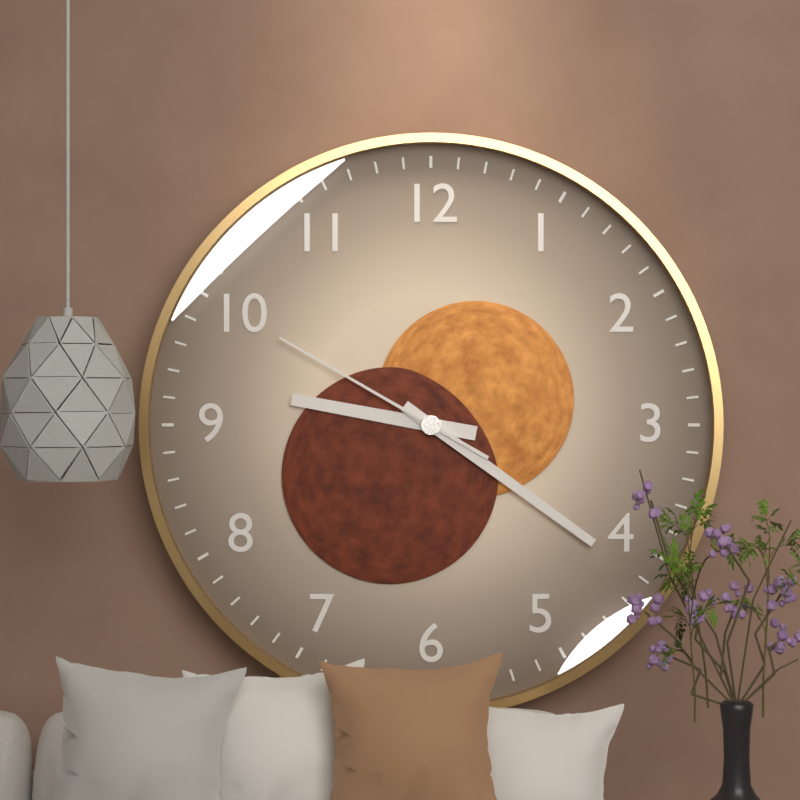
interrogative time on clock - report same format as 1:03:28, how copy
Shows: 9:21:50
